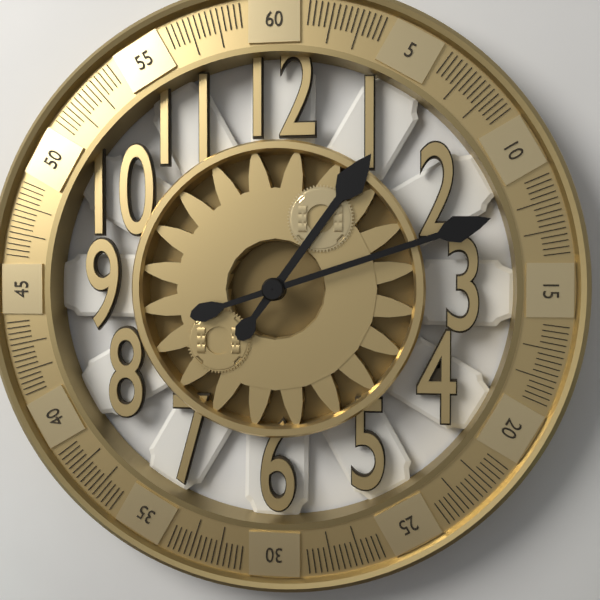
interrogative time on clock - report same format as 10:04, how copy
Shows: 1:12
